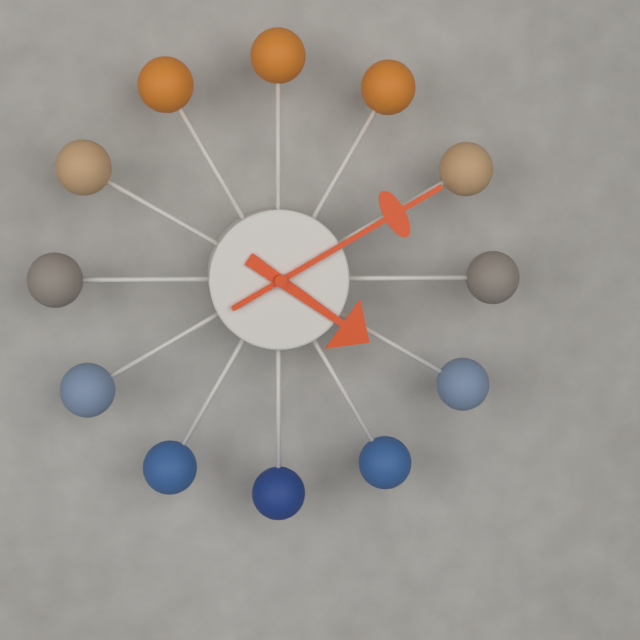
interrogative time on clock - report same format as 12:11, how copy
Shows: 4:10
